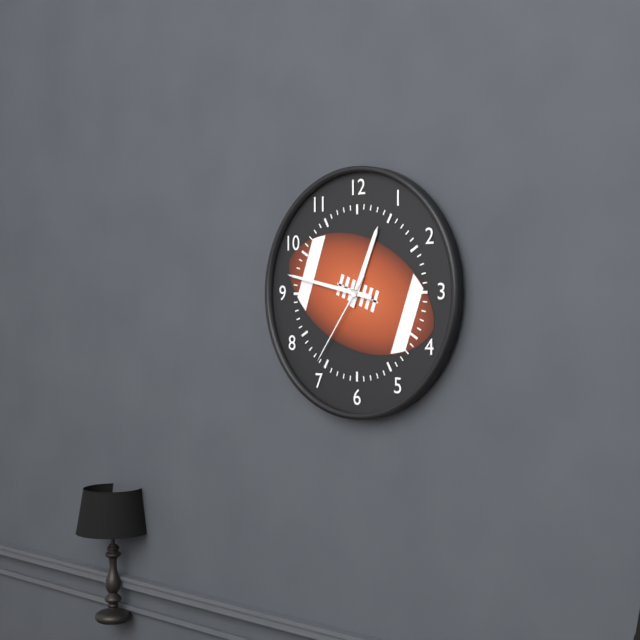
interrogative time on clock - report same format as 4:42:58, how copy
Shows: 12:47:36
